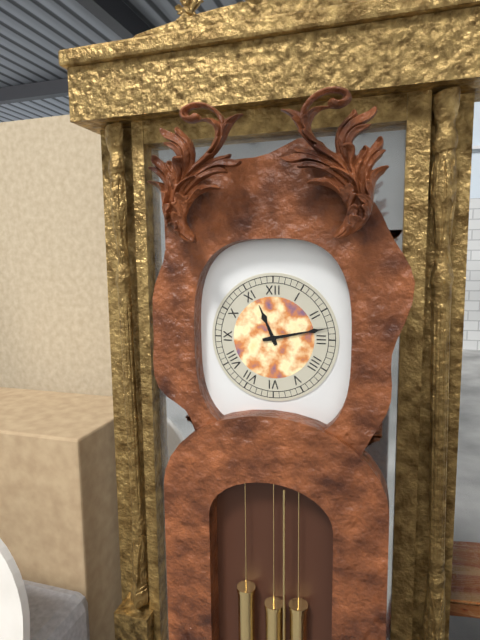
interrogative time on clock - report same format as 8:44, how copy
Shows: 11:13
